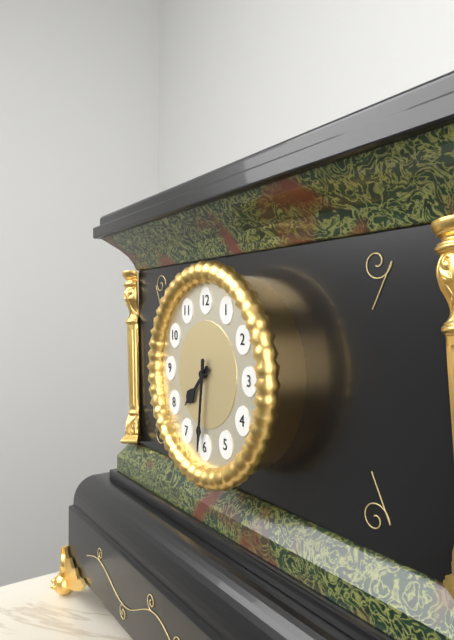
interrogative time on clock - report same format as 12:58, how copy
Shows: 7:31
